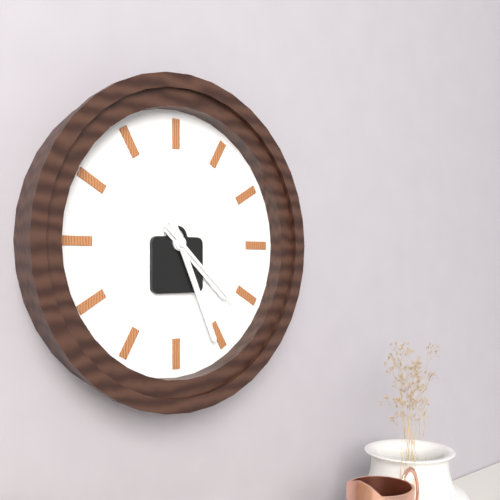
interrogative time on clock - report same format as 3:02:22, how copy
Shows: 4:26:22
